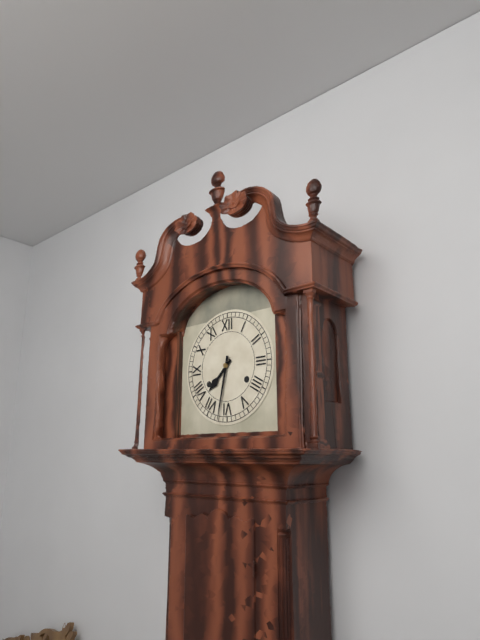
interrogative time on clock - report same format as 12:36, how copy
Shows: 7:32
